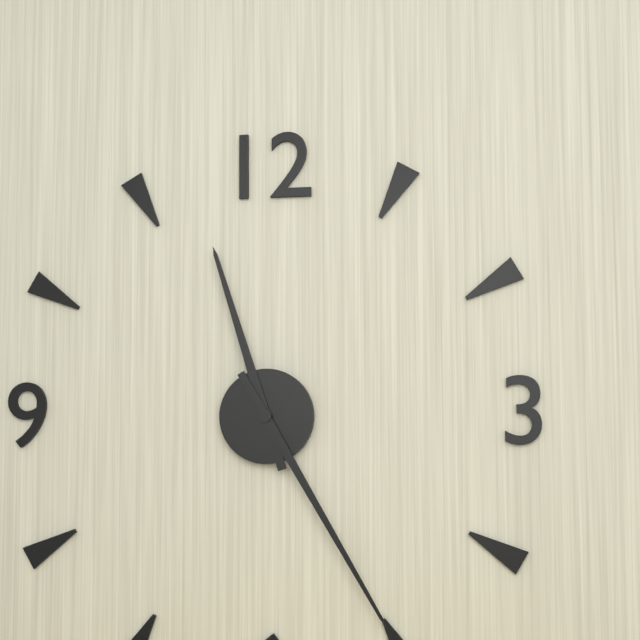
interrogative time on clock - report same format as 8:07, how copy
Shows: 11:25
